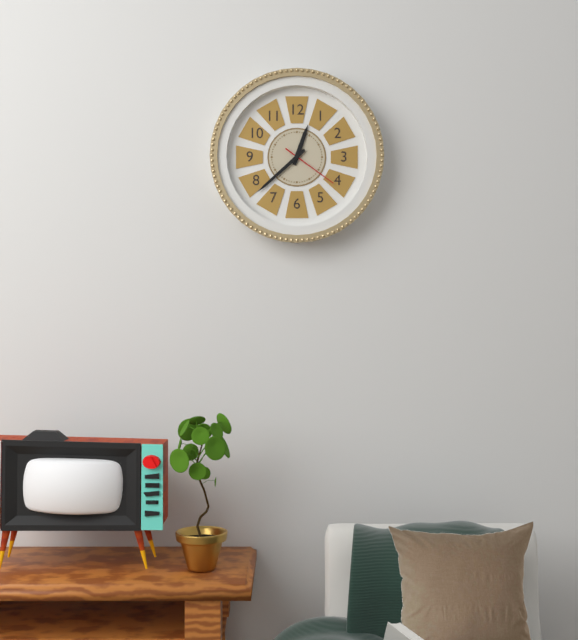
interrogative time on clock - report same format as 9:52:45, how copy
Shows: 12:38:21
